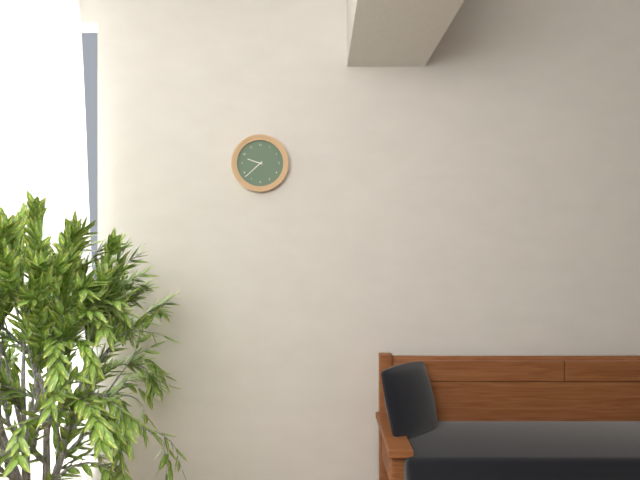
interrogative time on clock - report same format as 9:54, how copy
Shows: 9:38
